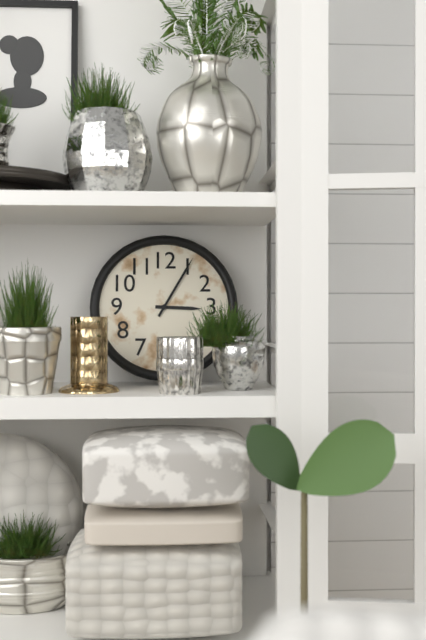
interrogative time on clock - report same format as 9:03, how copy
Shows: 3:05
